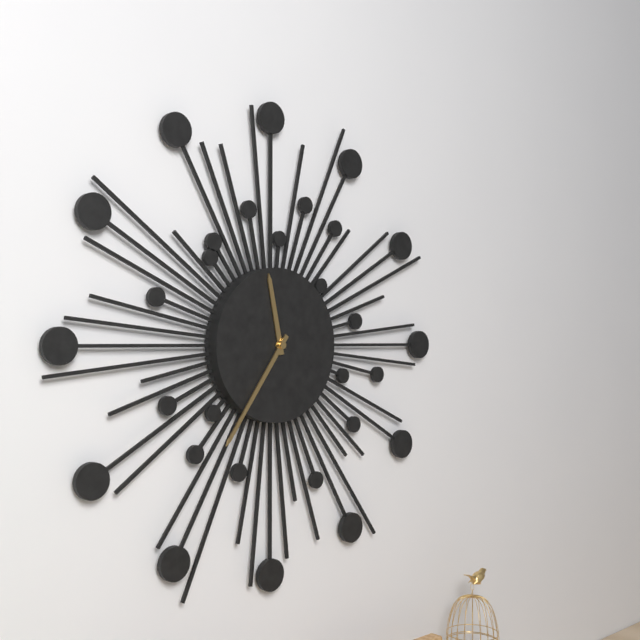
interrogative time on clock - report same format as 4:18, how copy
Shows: 11:36
